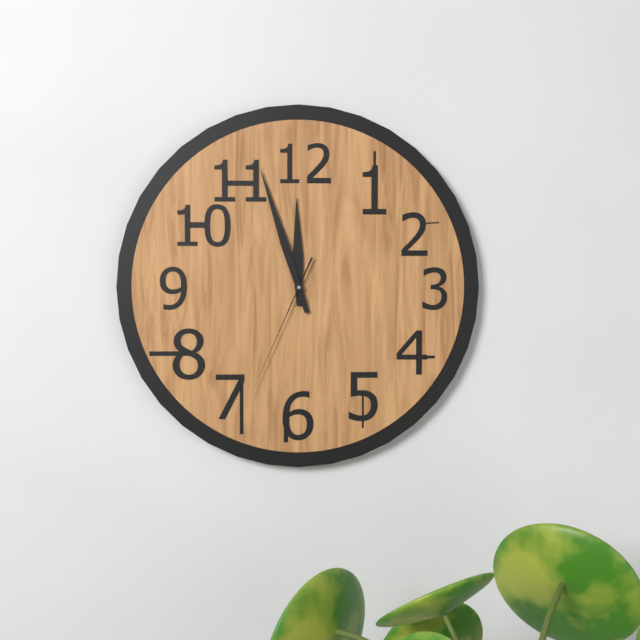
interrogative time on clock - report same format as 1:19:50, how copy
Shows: 11:57:34
